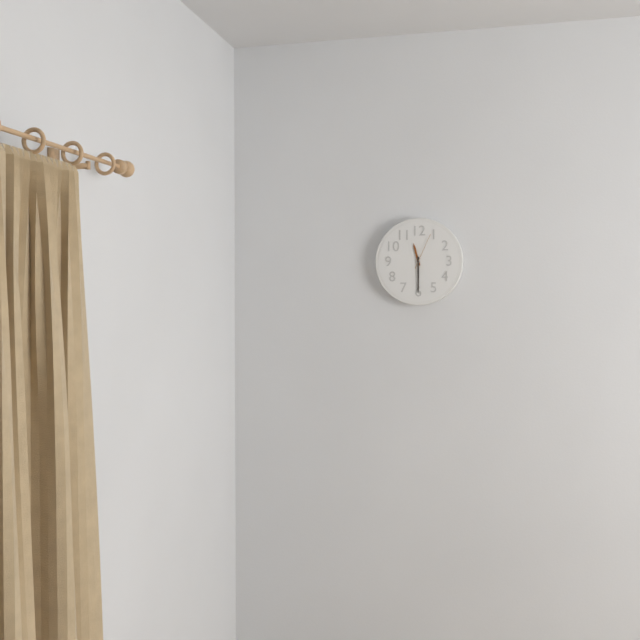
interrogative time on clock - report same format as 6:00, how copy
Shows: 11:30
